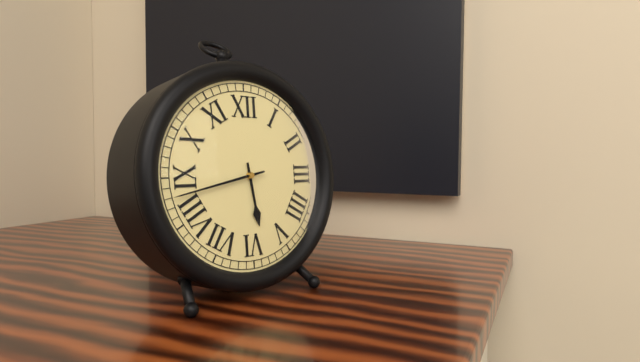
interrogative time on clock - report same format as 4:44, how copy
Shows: 5:43
